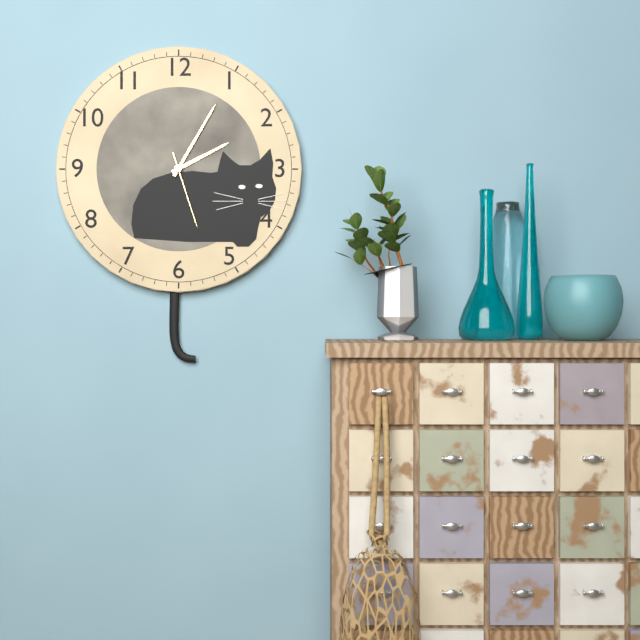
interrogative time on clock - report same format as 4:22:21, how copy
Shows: 2:05:27
